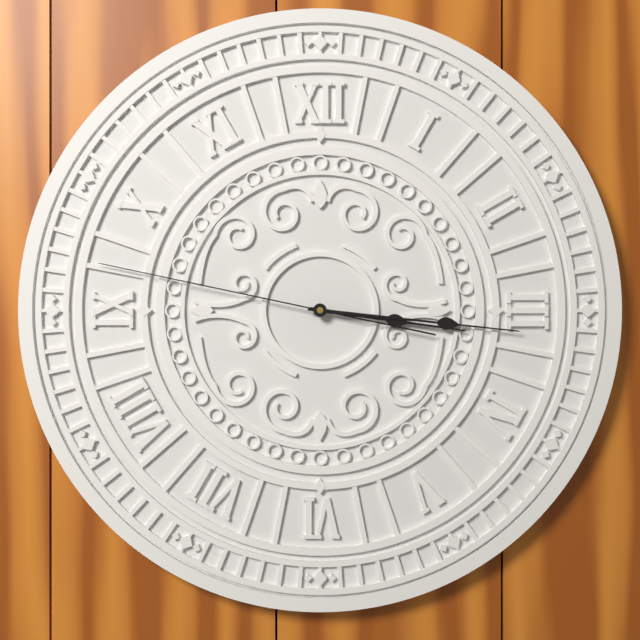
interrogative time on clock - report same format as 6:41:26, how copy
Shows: 3:16:47
